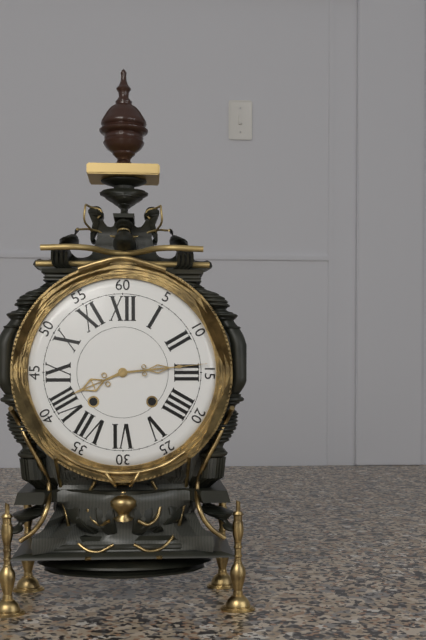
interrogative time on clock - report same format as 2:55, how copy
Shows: 8:14
